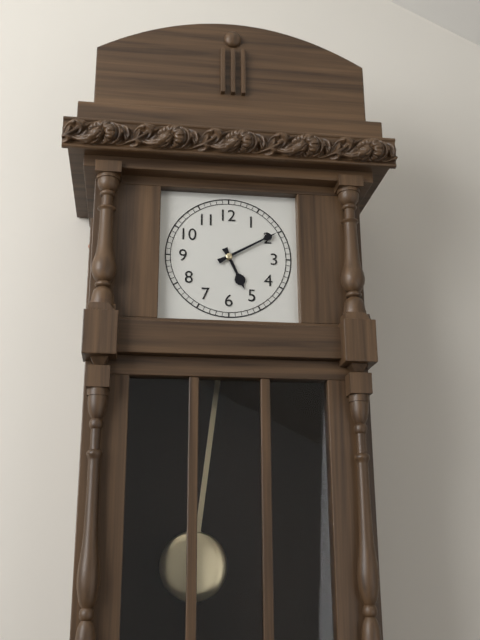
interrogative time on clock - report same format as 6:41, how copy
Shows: 5:10
